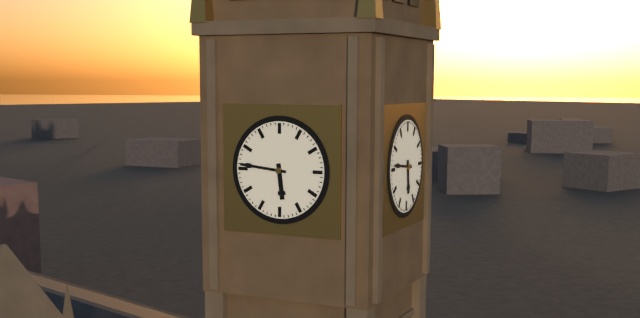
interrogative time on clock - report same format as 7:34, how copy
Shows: 5:46
